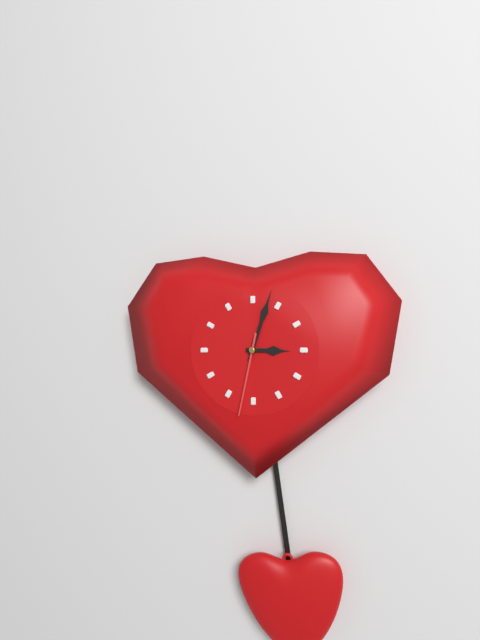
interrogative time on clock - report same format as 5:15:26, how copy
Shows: 3:03:32
